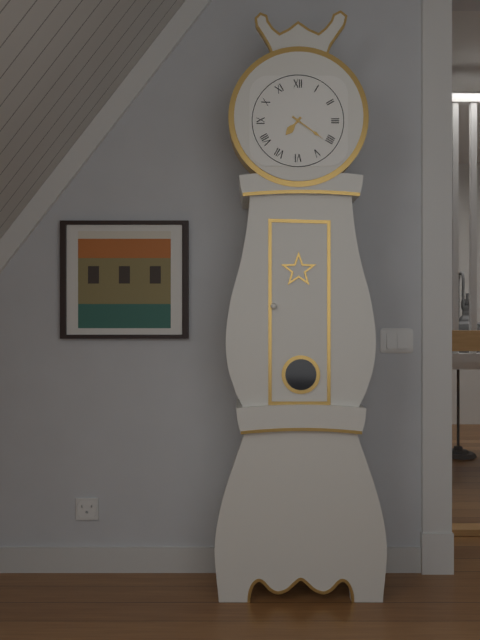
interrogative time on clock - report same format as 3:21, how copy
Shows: 7:21
